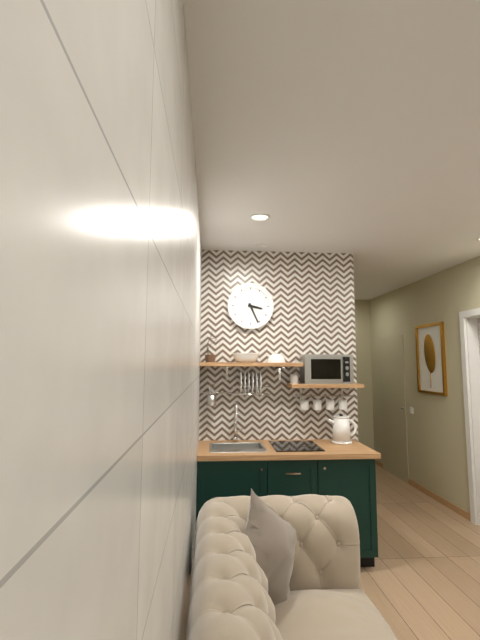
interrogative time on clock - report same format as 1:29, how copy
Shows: 3:26
